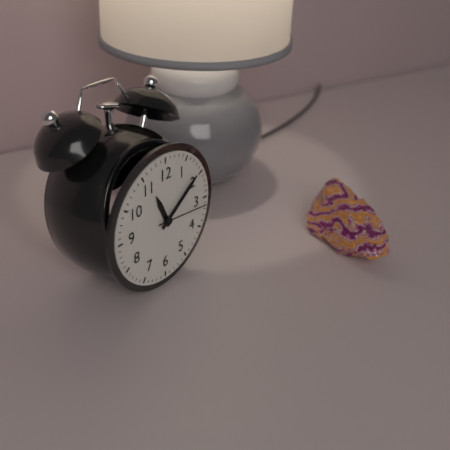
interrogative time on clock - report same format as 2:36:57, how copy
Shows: 11:09:16
